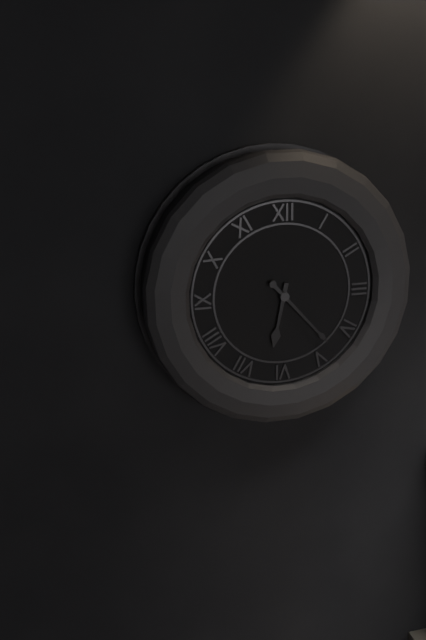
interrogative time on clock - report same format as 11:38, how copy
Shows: 6:23
